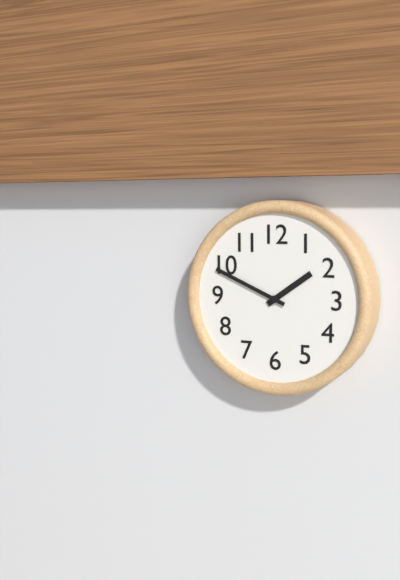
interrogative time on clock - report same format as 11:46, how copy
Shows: 1:49
